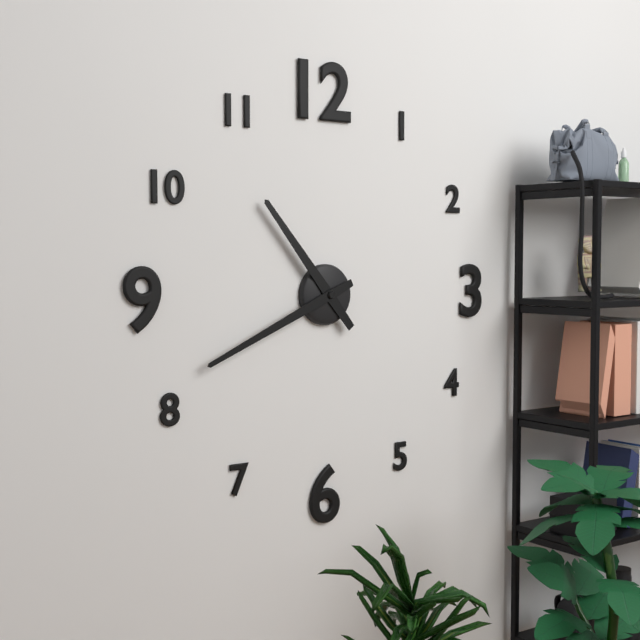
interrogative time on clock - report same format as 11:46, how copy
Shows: 10:41
